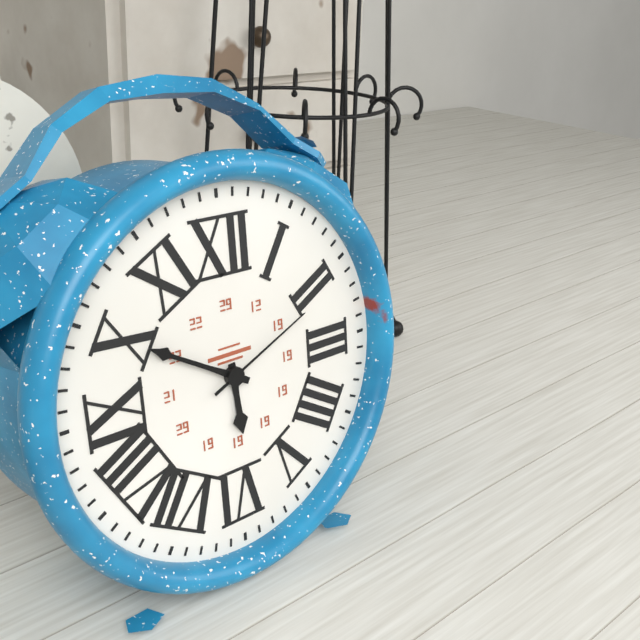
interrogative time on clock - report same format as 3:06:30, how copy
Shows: 5:50:11
